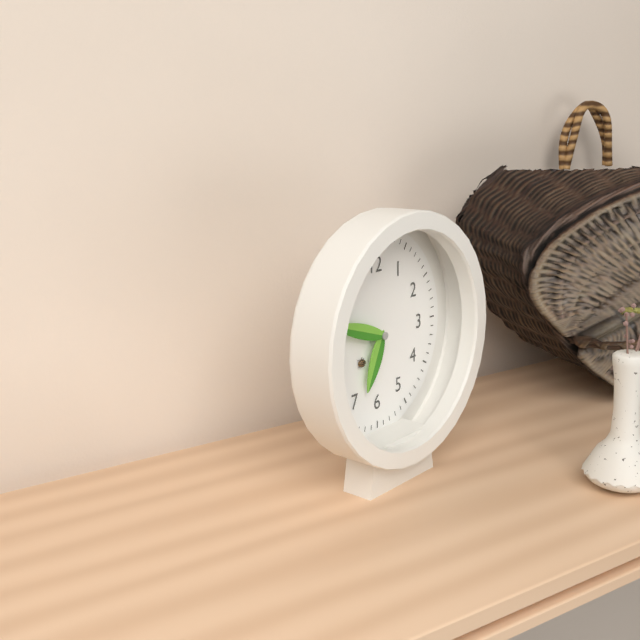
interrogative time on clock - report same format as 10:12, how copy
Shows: 6:48
